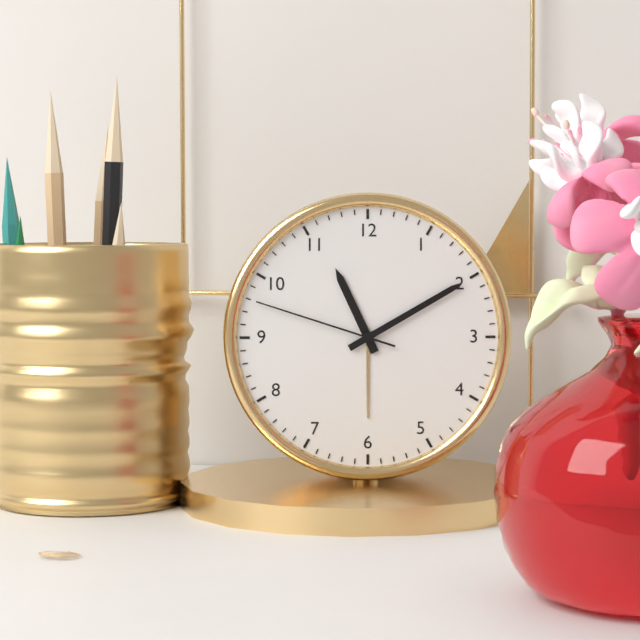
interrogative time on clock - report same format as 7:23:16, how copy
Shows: 11:10:48
